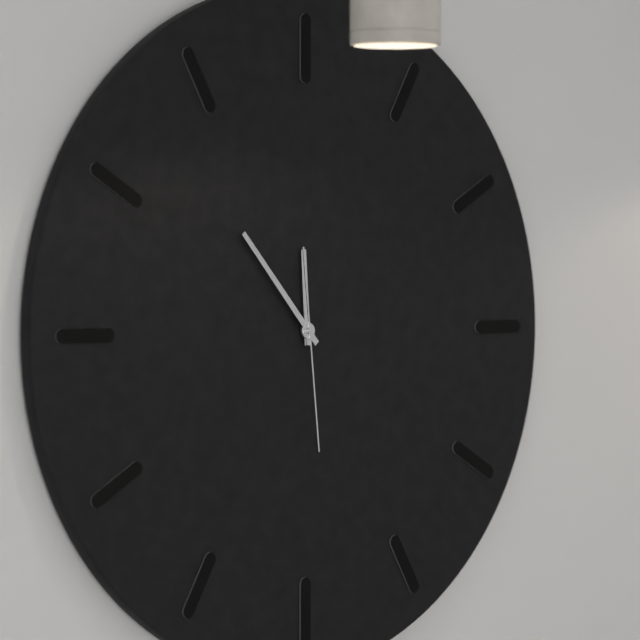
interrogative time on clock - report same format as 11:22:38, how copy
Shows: 11:53:29
